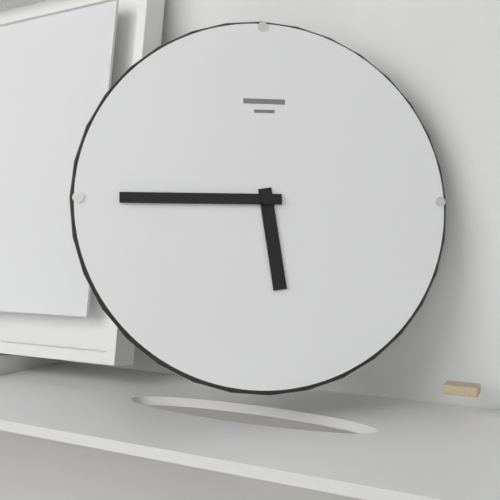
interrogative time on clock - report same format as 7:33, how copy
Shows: 5:45
